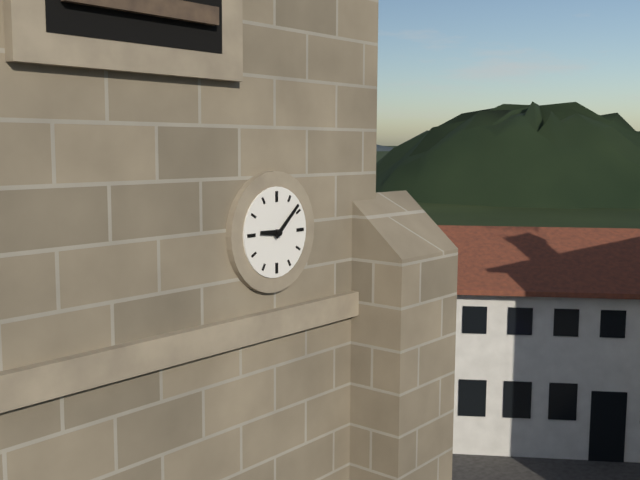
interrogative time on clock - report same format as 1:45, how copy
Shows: 9:08
